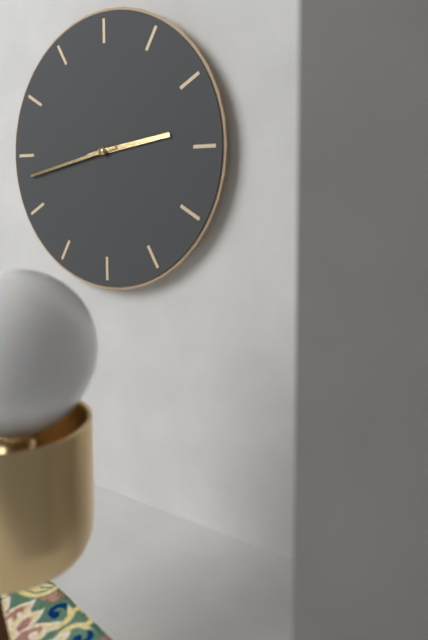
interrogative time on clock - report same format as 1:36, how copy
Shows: 2:43
